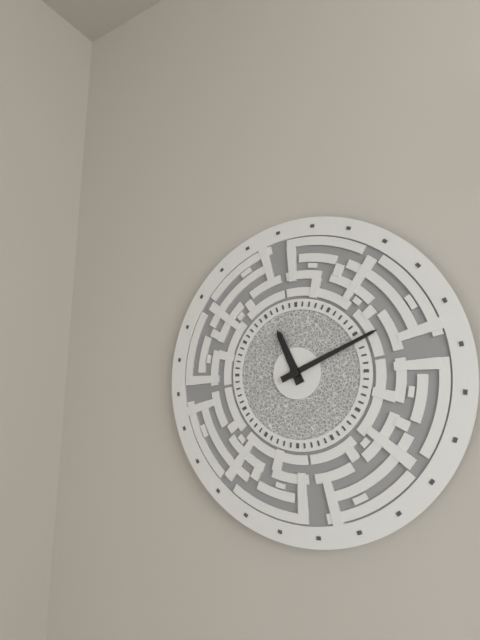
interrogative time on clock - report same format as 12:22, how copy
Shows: 11:11
